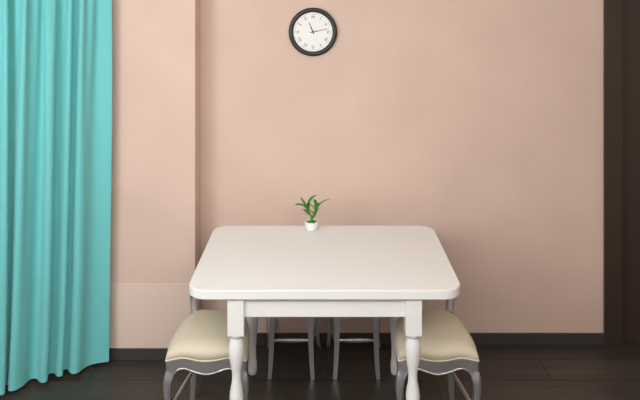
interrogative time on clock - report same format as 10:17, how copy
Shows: 11:13
